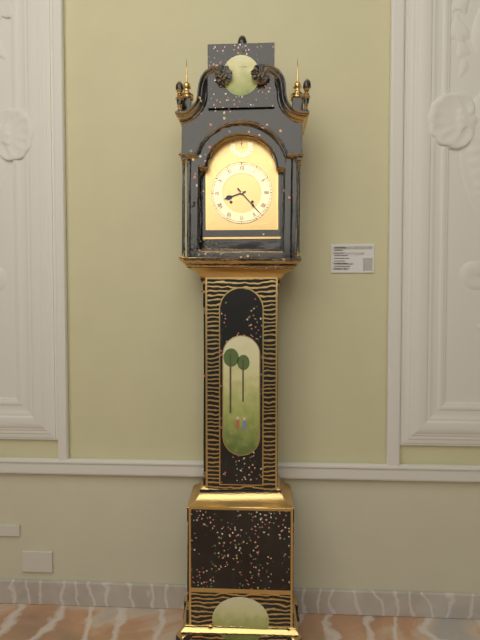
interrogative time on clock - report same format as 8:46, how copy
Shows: 8:23
